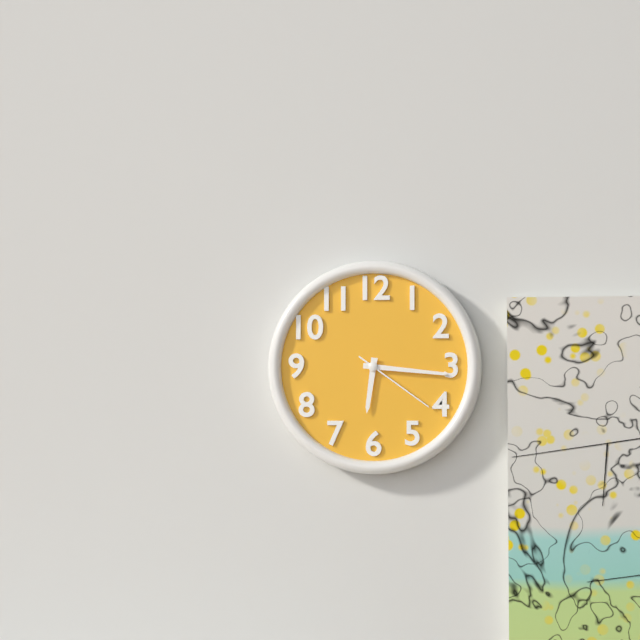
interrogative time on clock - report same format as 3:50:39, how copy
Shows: 6:16:21
